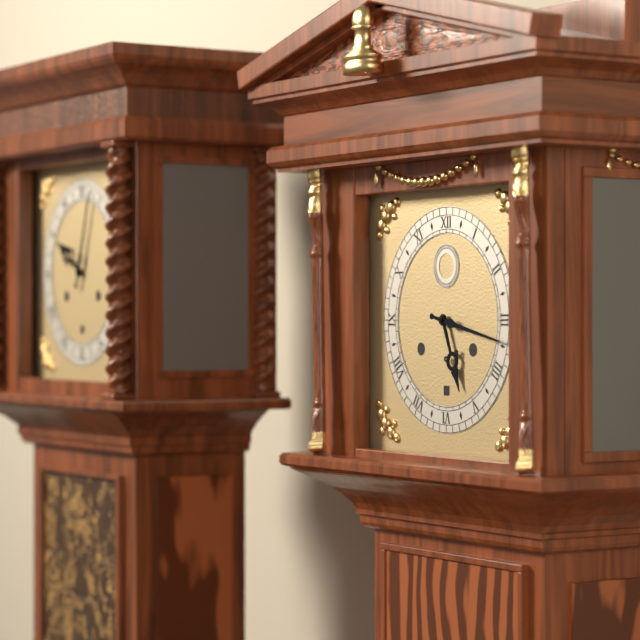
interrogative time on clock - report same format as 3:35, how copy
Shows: 5:17
